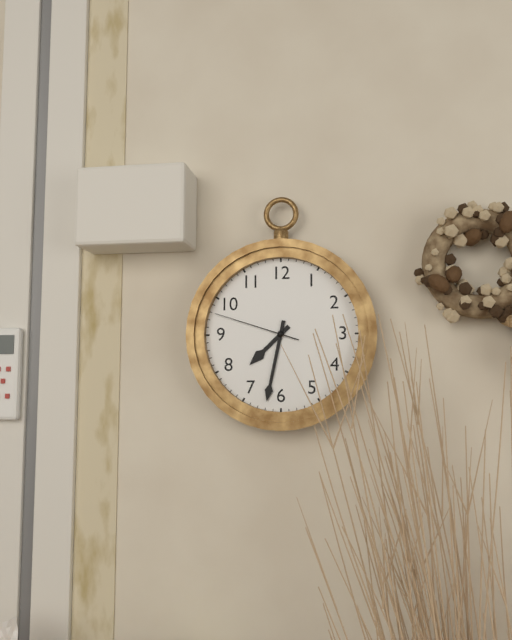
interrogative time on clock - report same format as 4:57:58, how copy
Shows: 7:32:48
